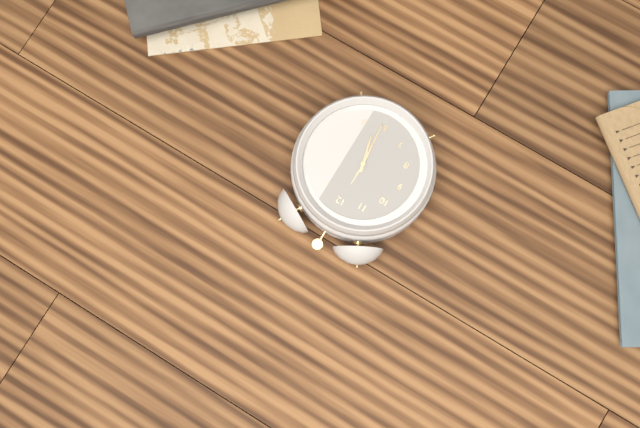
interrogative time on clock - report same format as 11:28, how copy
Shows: 5:29
